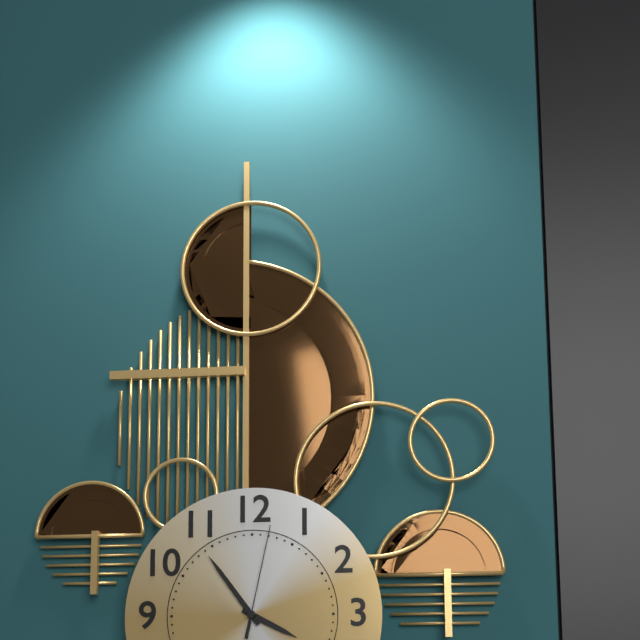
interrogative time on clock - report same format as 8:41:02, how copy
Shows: 3:54:02
